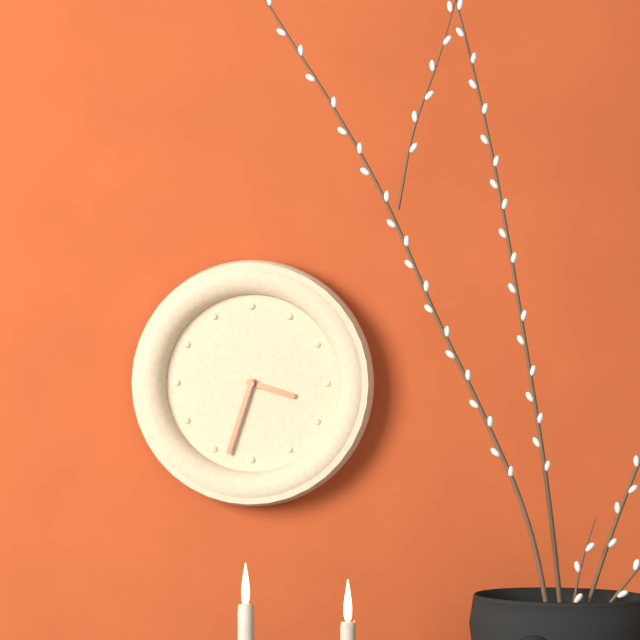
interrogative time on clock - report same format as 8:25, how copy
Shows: 3:33
